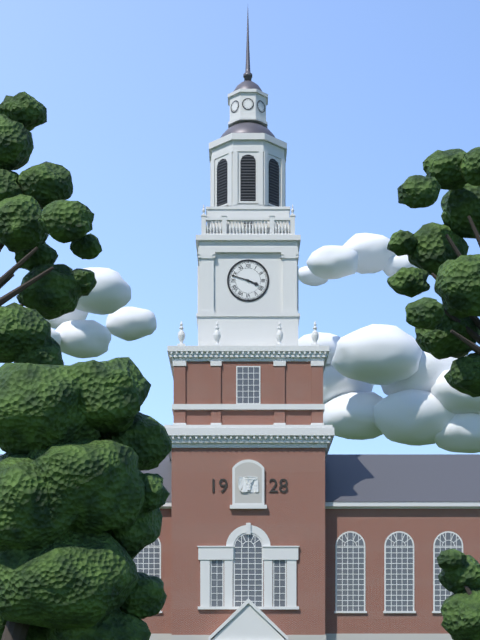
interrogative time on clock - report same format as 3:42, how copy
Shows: 3:48
